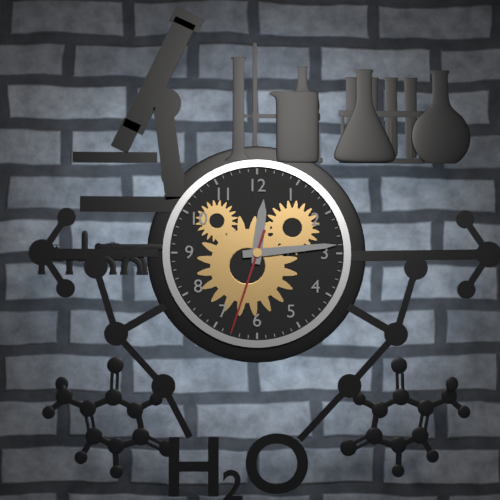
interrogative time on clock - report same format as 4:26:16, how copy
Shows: 12:14:33
